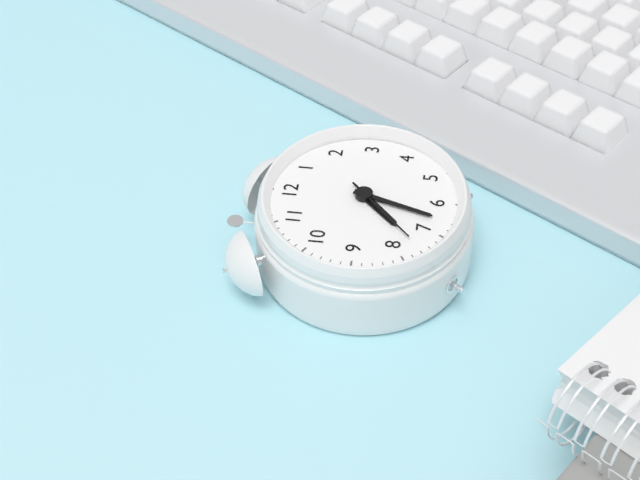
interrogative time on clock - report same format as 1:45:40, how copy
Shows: 7:33:38
